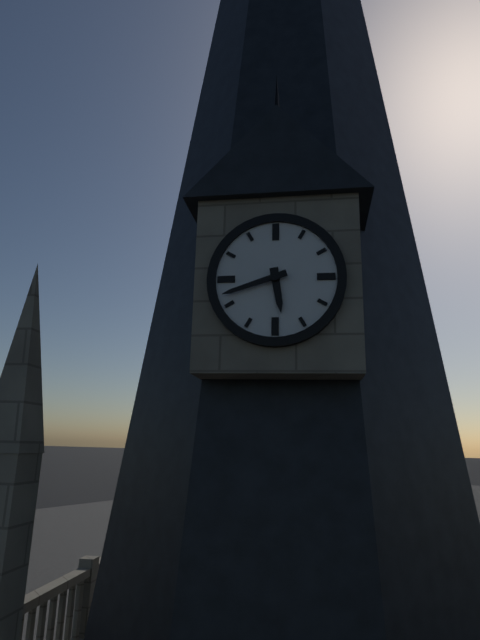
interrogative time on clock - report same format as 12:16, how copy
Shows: 5:42
